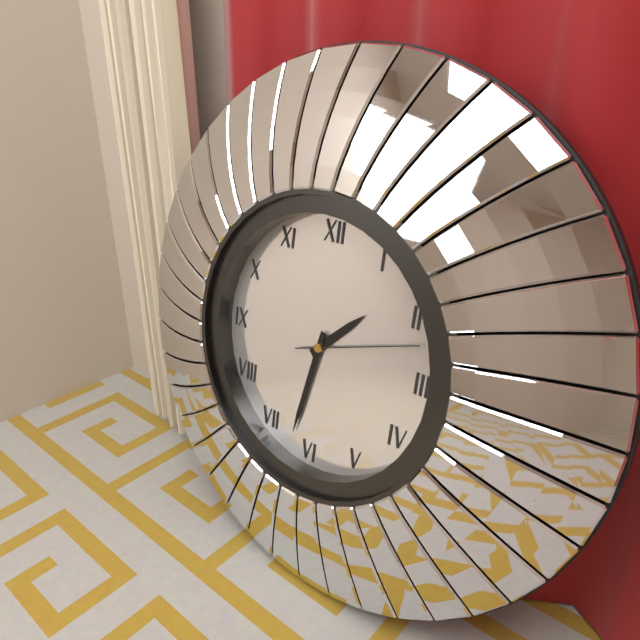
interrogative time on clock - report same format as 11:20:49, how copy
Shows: 1:32:12
